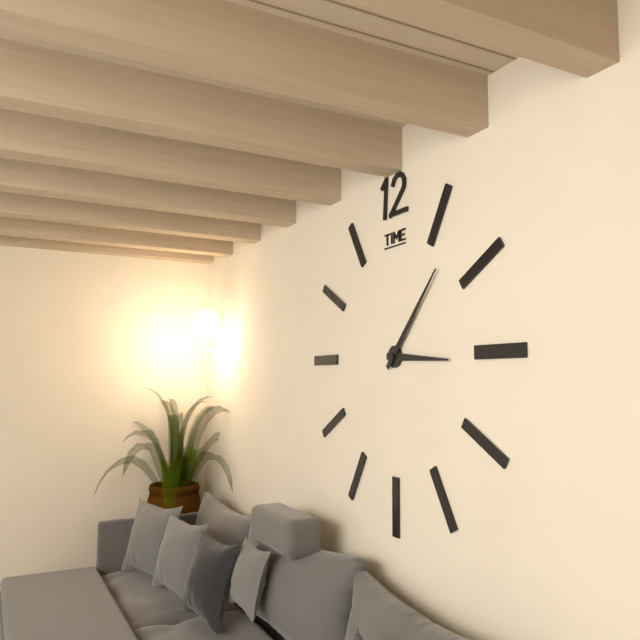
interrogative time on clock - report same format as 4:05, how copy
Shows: 3:07
